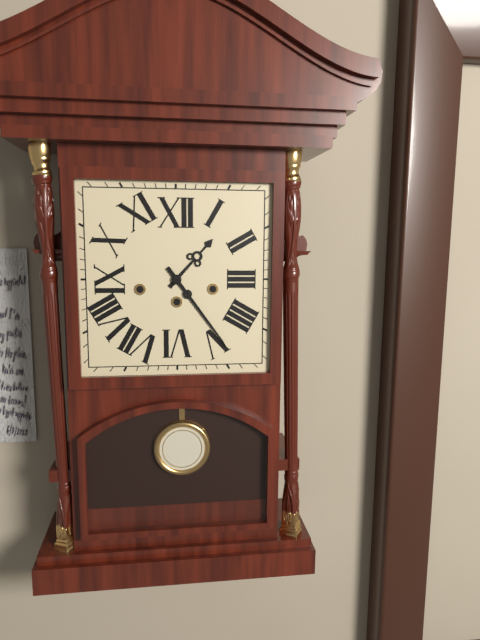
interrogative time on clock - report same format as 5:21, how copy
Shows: 1:24
